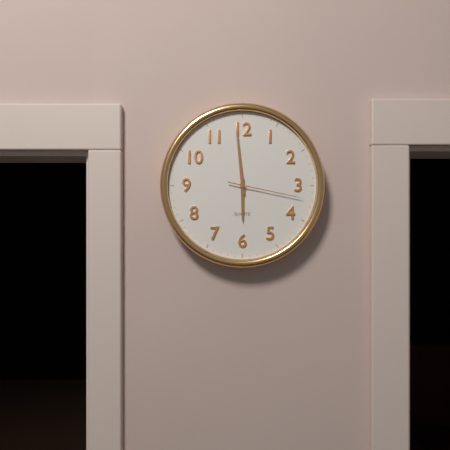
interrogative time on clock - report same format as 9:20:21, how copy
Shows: 5:59:17
